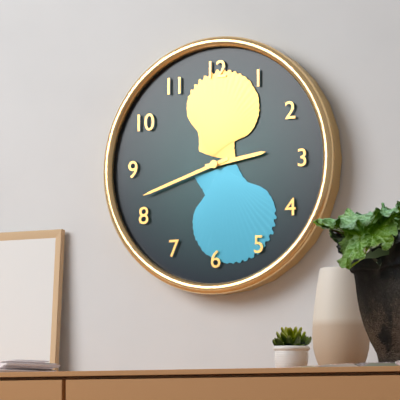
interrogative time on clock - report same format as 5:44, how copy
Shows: 2:42
